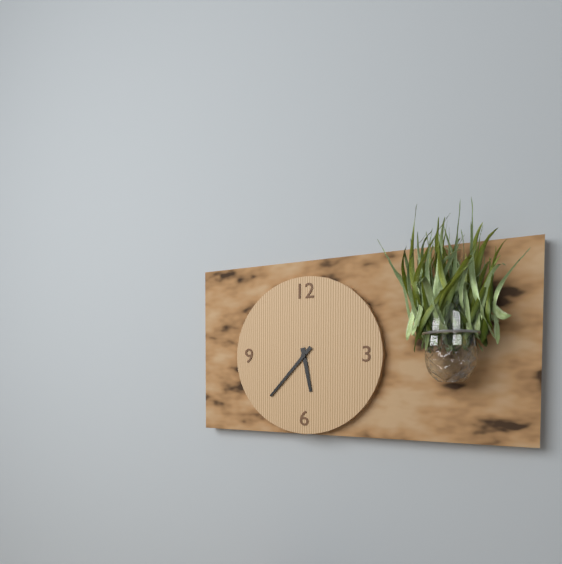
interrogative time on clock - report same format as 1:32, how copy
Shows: 5:37
